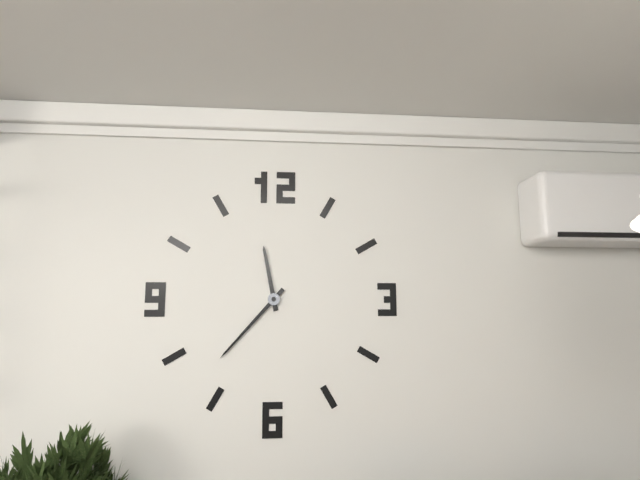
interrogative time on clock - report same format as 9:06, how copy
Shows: 11:37
